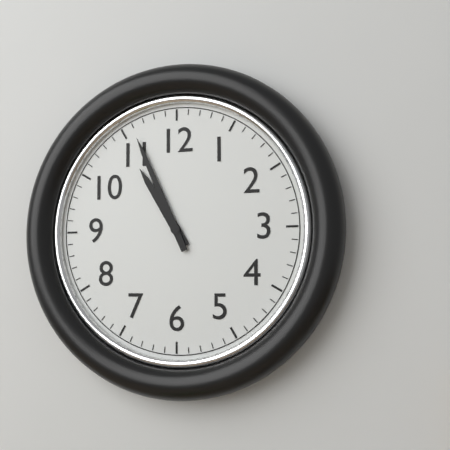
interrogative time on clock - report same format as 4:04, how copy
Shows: 10:56
